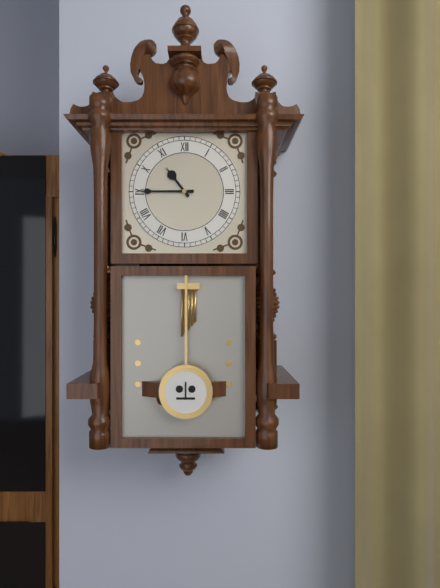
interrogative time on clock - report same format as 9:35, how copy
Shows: 10:45
